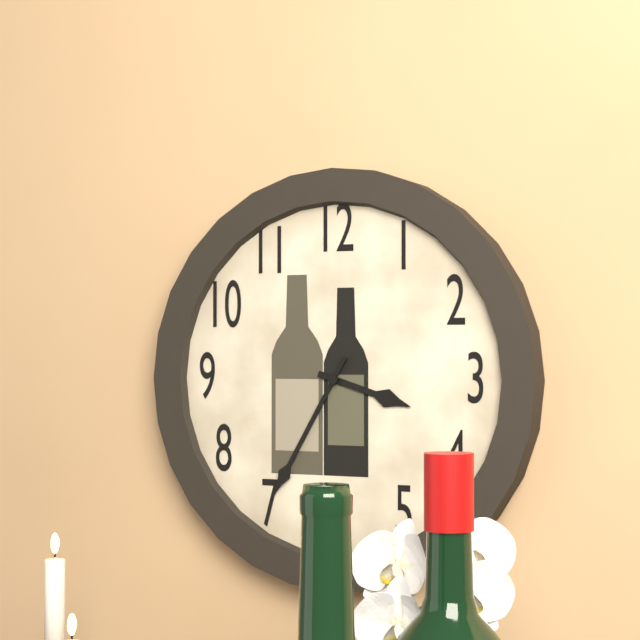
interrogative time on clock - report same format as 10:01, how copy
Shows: 3:35
